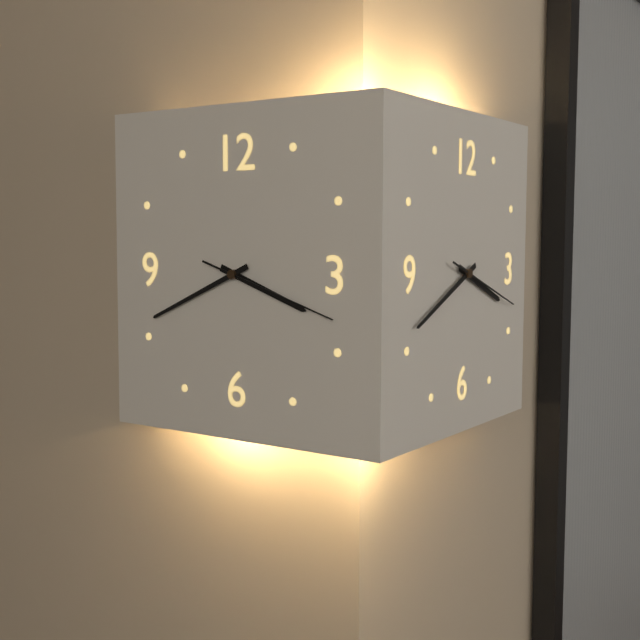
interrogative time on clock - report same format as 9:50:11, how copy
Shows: 3:41:18
